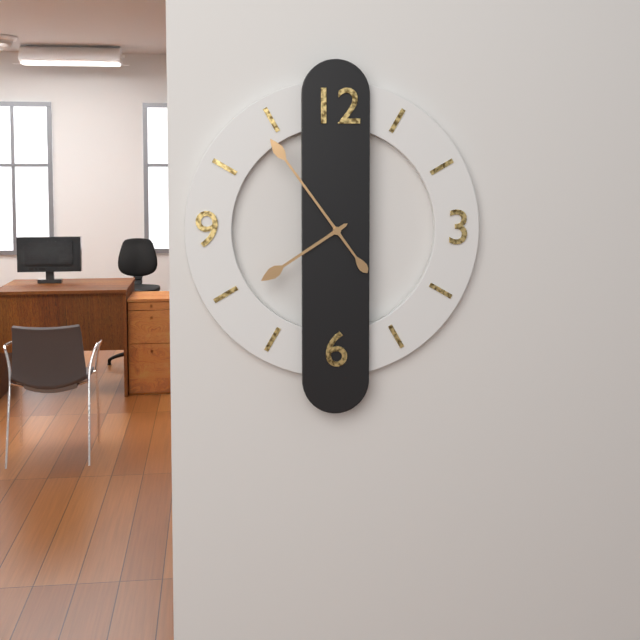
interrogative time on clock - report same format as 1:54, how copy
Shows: 7:54
